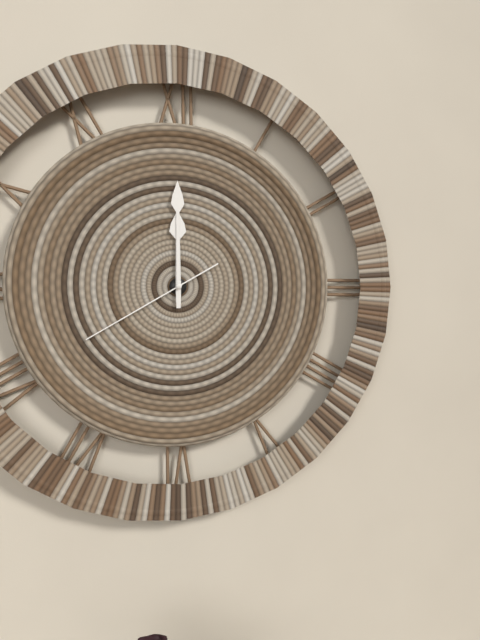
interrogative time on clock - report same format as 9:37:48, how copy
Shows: 12:00:40
